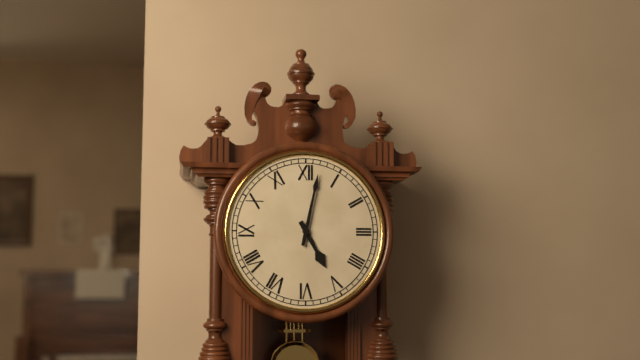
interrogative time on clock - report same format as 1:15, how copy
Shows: 5:02
